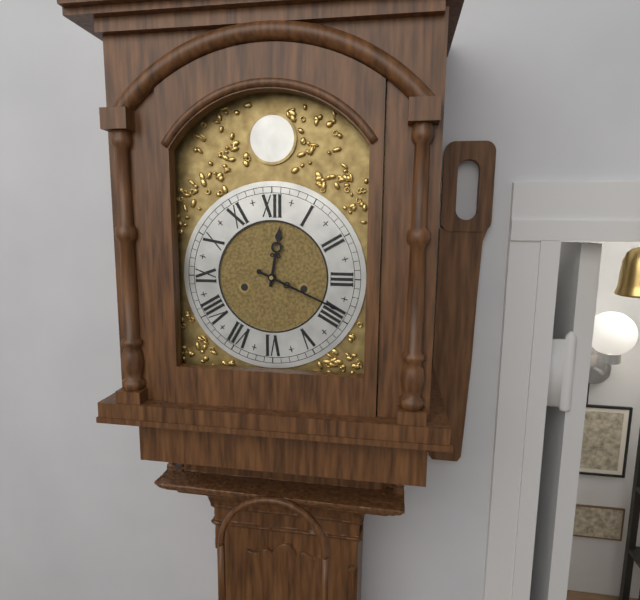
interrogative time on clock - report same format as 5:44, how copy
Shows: 12:19
